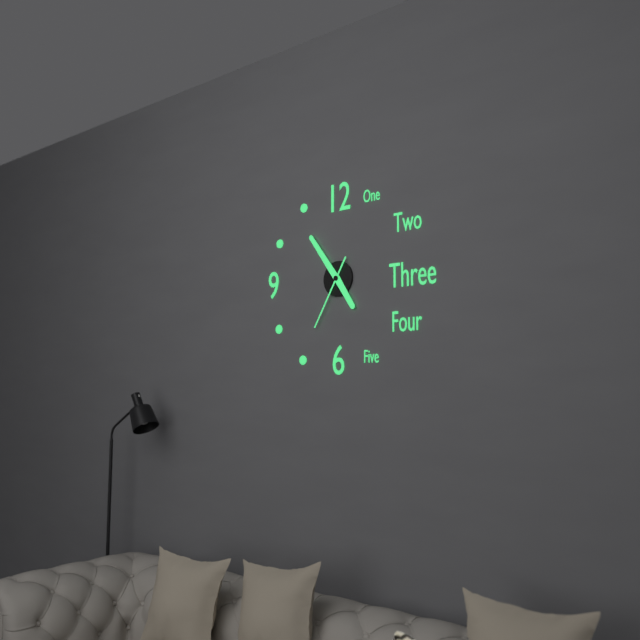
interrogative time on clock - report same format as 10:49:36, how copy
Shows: 4:54:35
